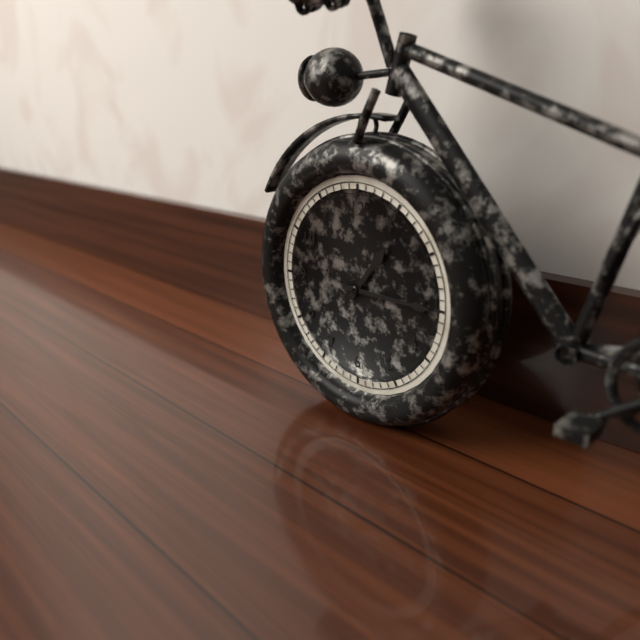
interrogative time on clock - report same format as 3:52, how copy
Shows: 1:15
